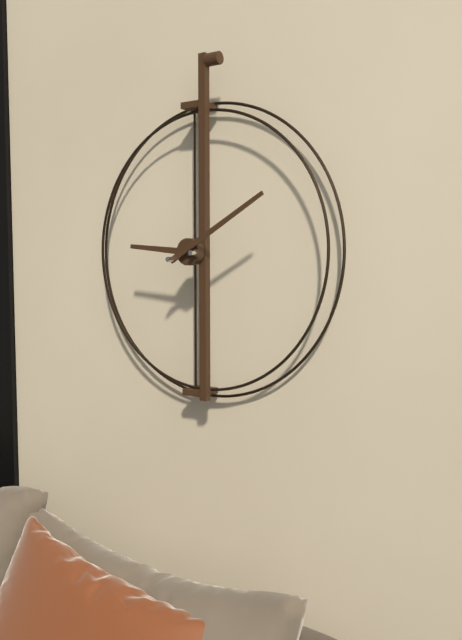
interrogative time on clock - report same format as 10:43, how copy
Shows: 9:10
